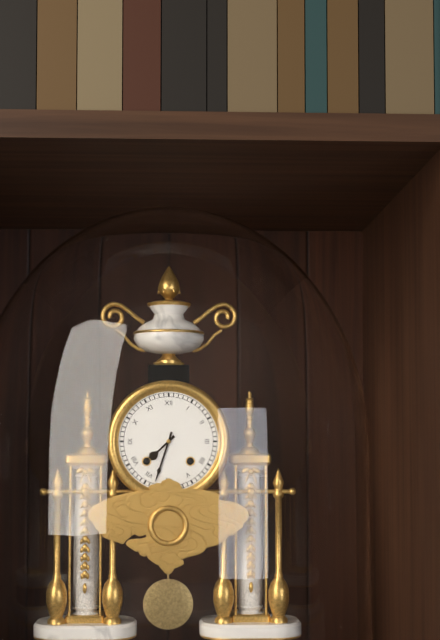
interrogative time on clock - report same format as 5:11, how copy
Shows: 7:33
